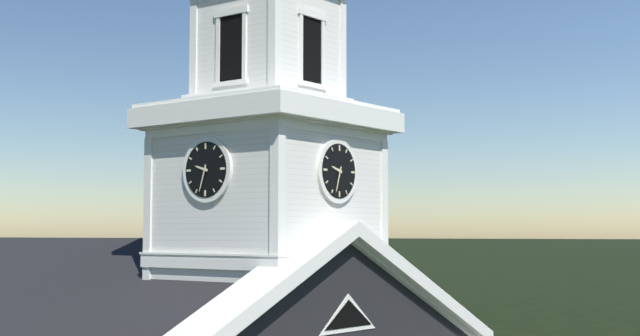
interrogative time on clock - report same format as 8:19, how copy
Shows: 9:33
